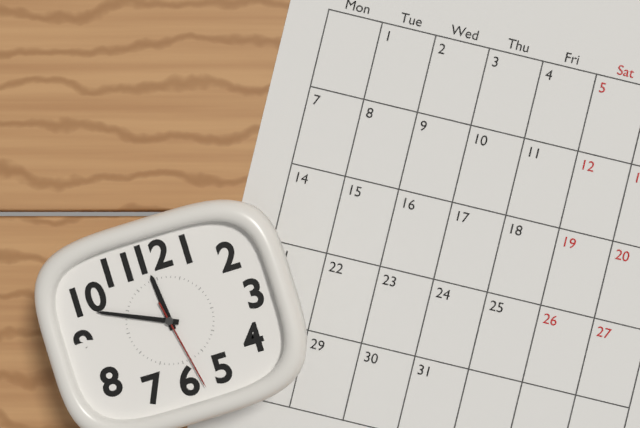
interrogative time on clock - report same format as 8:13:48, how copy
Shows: 11:49:28
